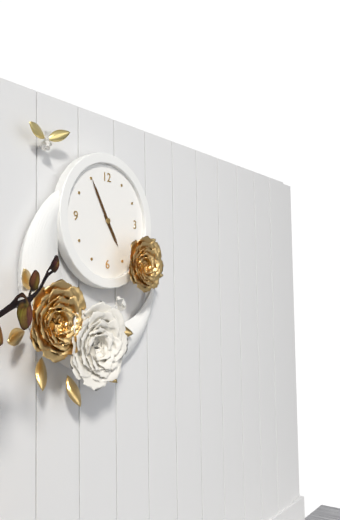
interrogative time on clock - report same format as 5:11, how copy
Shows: 4:55
